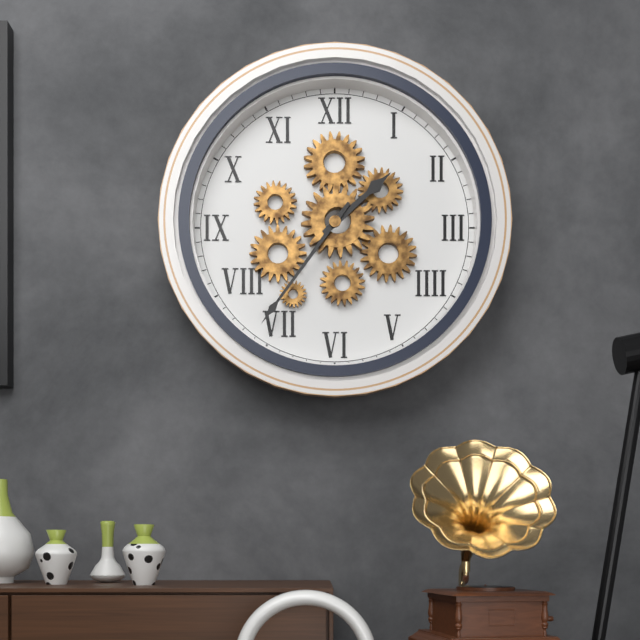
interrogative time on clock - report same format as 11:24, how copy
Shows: 1:36
